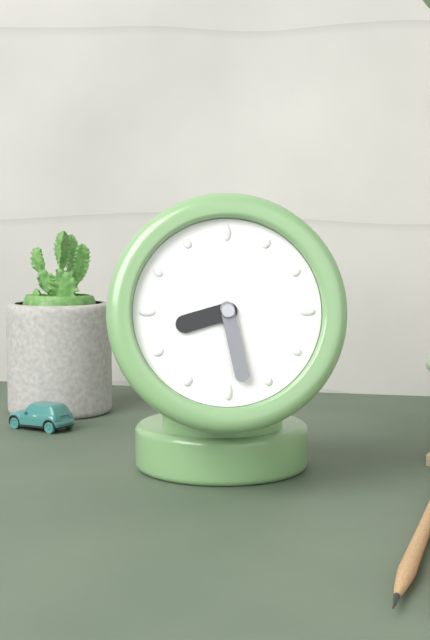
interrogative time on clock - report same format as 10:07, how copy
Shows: 8:28
